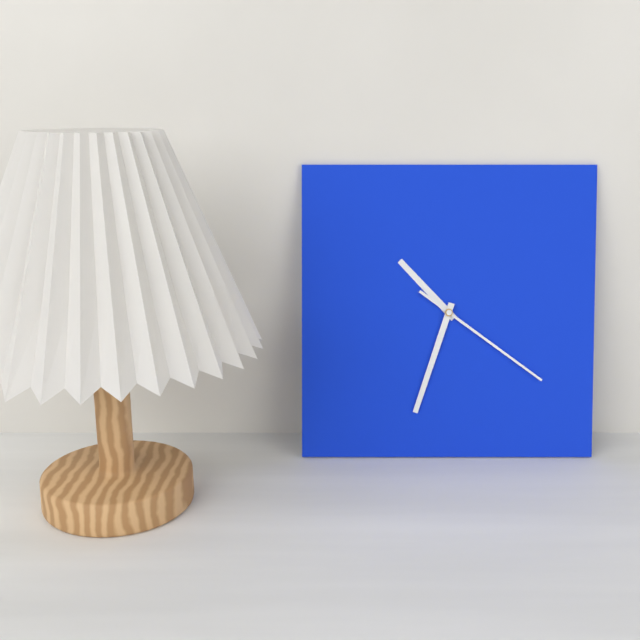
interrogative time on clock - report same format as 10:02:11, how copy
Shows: 10:33:21
